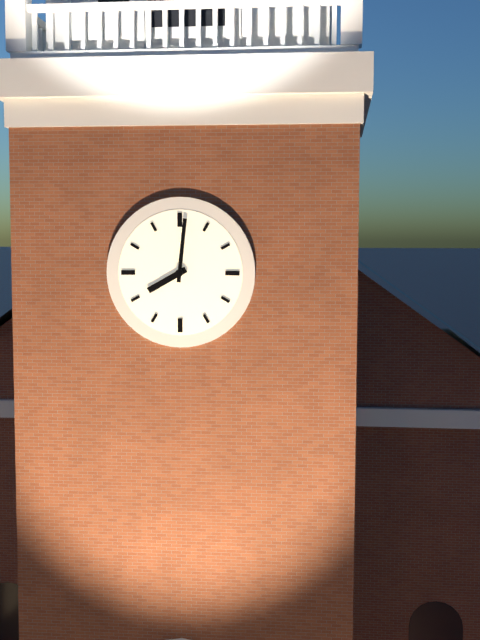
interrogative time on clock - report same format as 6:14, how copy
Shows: 8:01
